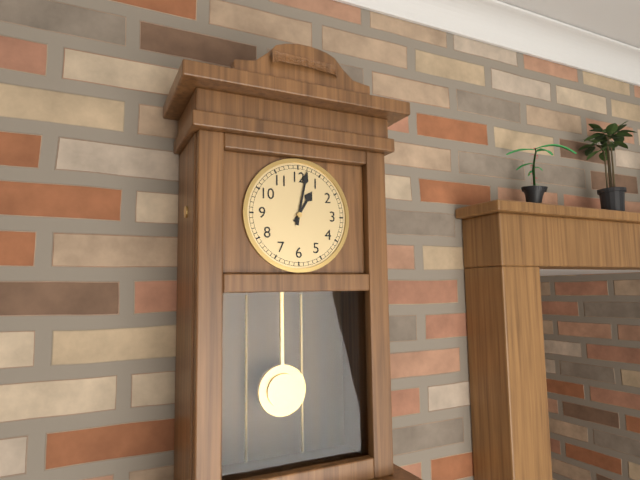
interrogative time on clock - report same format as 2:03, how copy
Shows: 1:02
